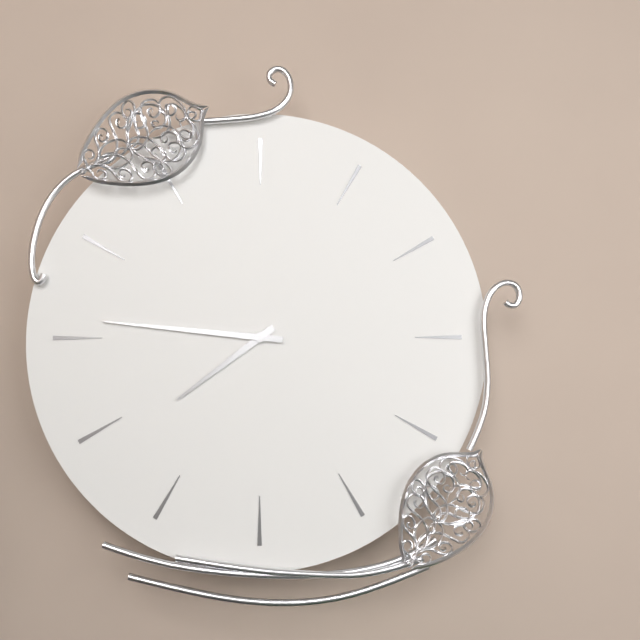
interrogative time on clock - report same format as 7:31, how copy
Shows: 7:46
